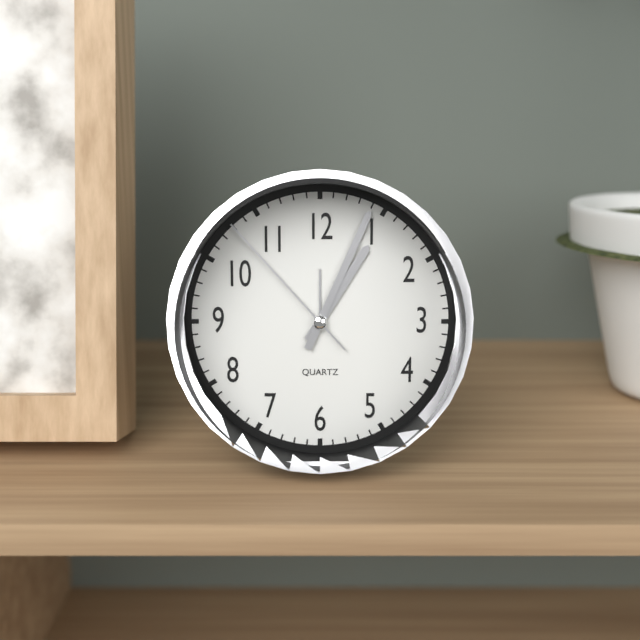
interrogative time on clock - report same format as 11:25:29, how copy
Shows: 1:04:53
